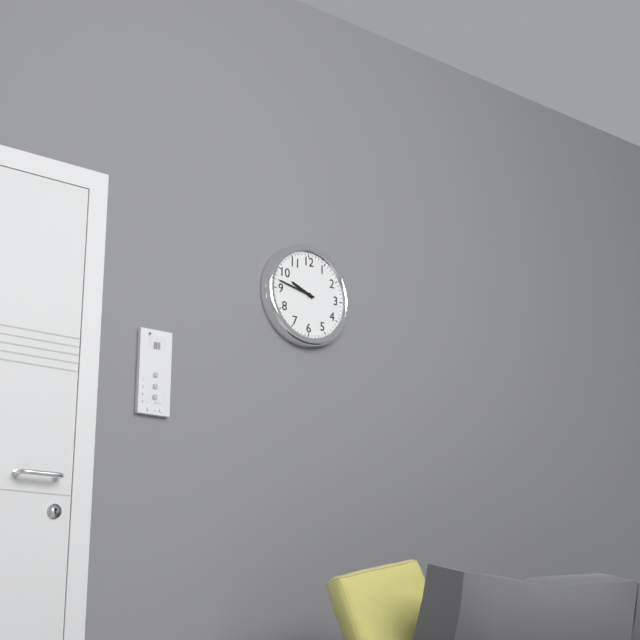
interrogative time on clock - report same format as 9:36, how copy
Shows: 9:47
